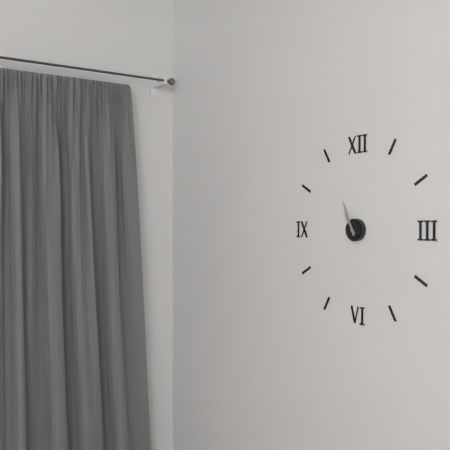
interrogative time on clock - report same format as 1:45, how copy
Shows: 10:56
